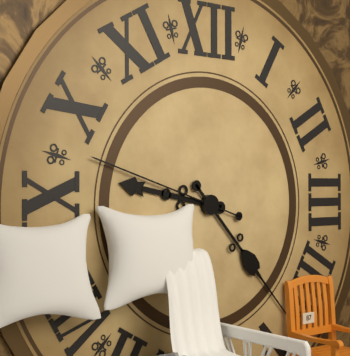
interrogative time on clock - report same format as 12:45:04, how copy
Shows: 9:23:48
